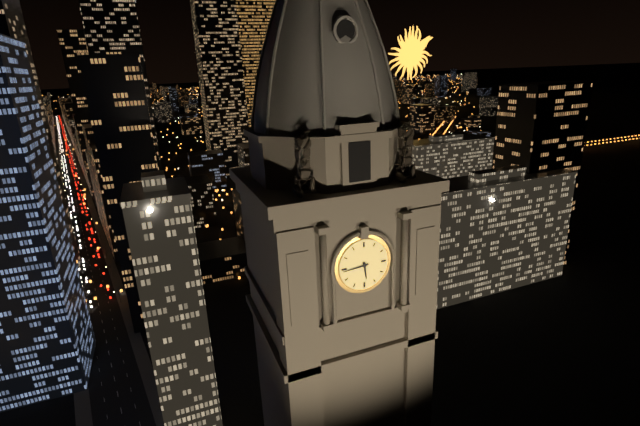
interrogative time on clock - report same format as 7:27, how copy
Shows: 5:44
